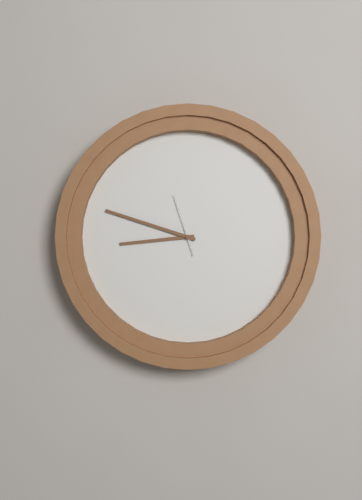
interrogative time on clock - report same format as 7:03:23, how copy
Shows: 8:48:57
